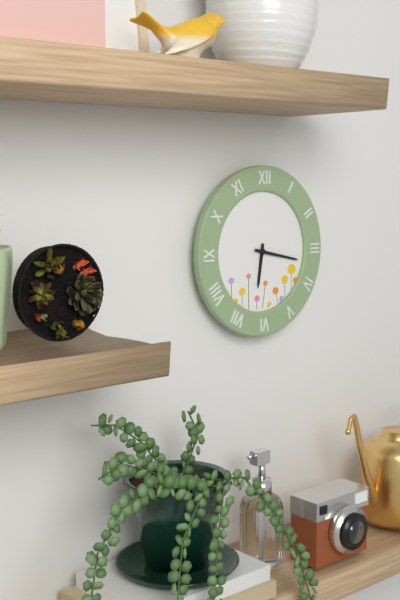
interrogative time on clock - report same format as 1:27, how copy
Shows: 6:17
